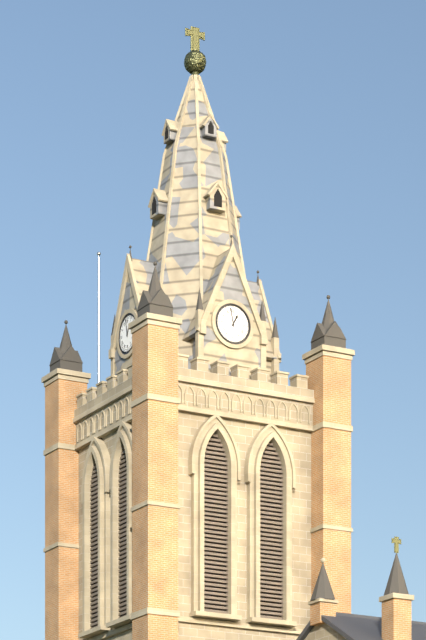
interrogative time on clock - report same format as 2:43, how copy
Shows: 12:58
